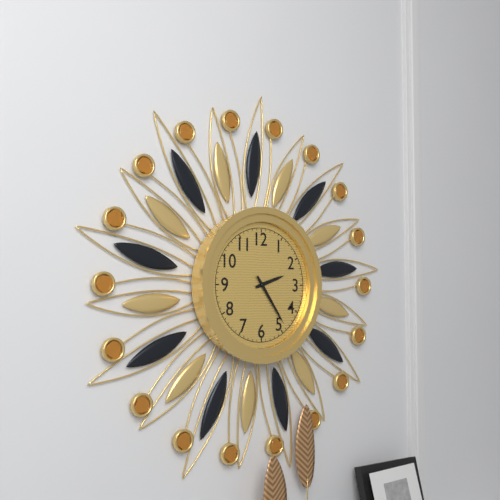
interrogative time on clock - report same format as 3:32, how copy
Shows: 2:24
